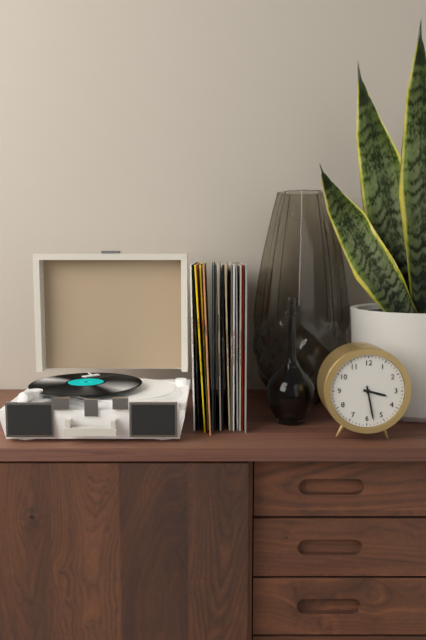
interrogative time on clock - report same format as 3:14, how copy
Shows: 3:28
